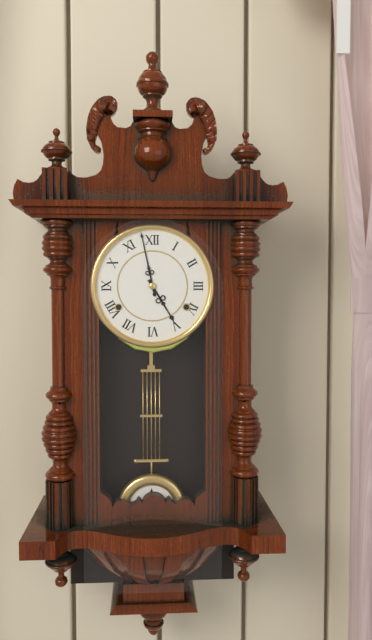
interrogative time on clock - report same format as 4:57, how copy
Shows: 4:58
